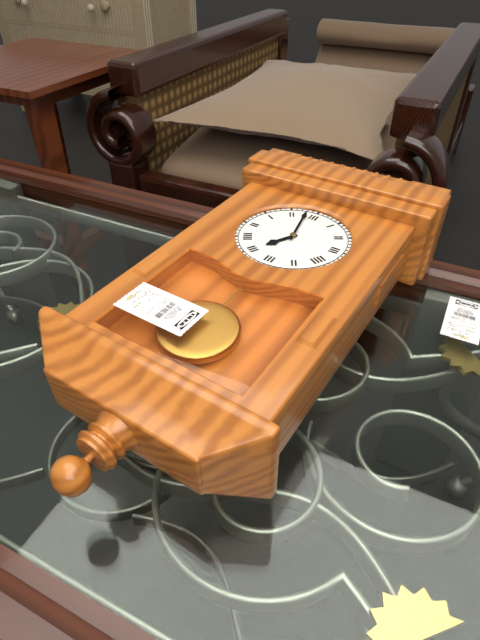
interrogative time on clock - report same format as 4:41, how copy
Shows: 6:58
